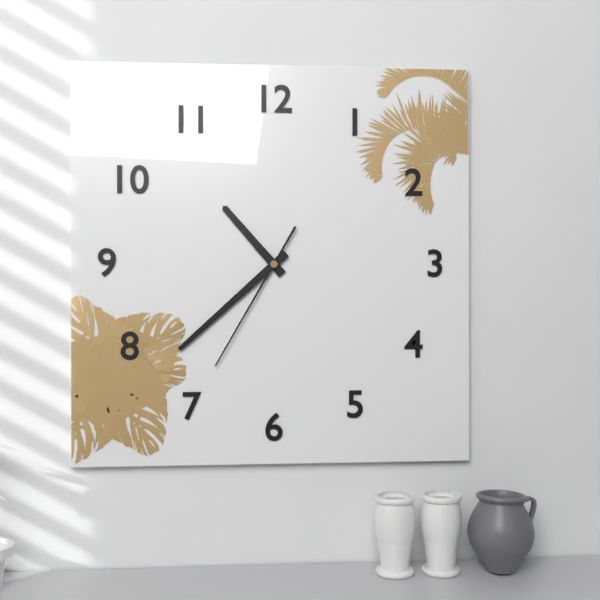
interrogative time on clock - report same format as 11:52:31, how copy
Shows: 10:38:35
